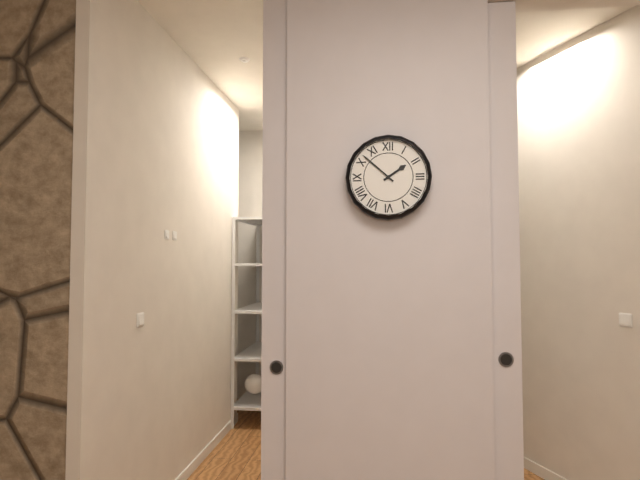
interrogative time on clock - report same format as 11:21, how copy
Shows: 1:52
